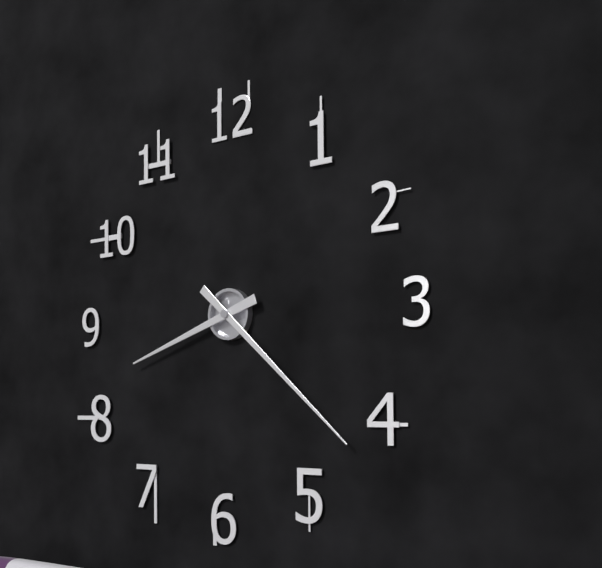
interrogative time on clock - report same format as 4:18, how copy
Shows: 8:22
